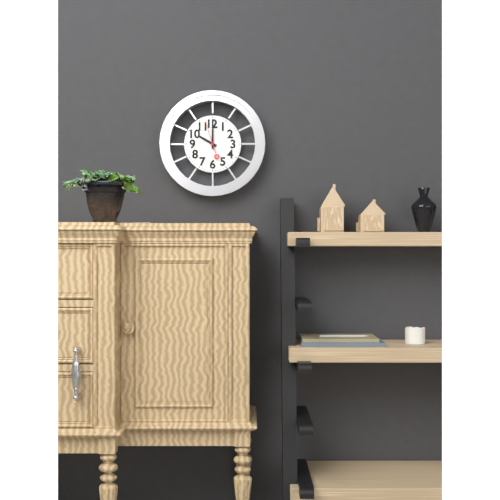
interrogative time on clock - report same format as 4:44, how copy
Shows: 10:00
